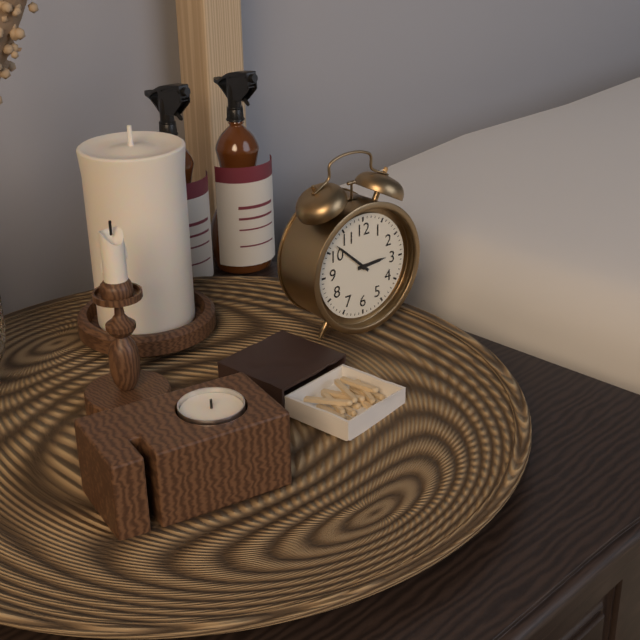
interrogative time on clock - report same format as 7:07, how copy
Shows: 2:52
